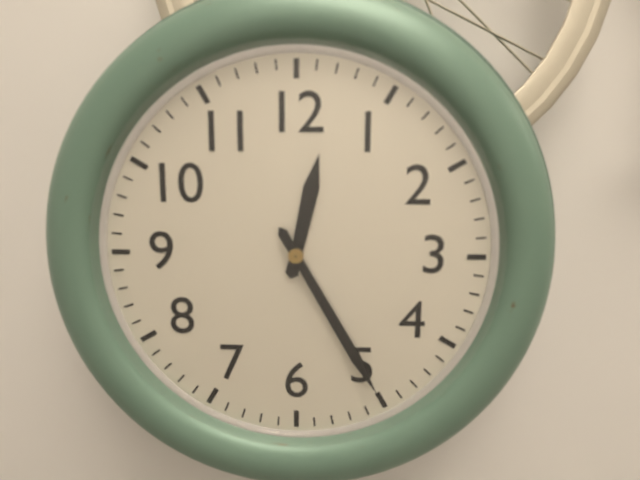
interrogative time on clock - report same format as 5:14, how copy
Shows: 12:25
